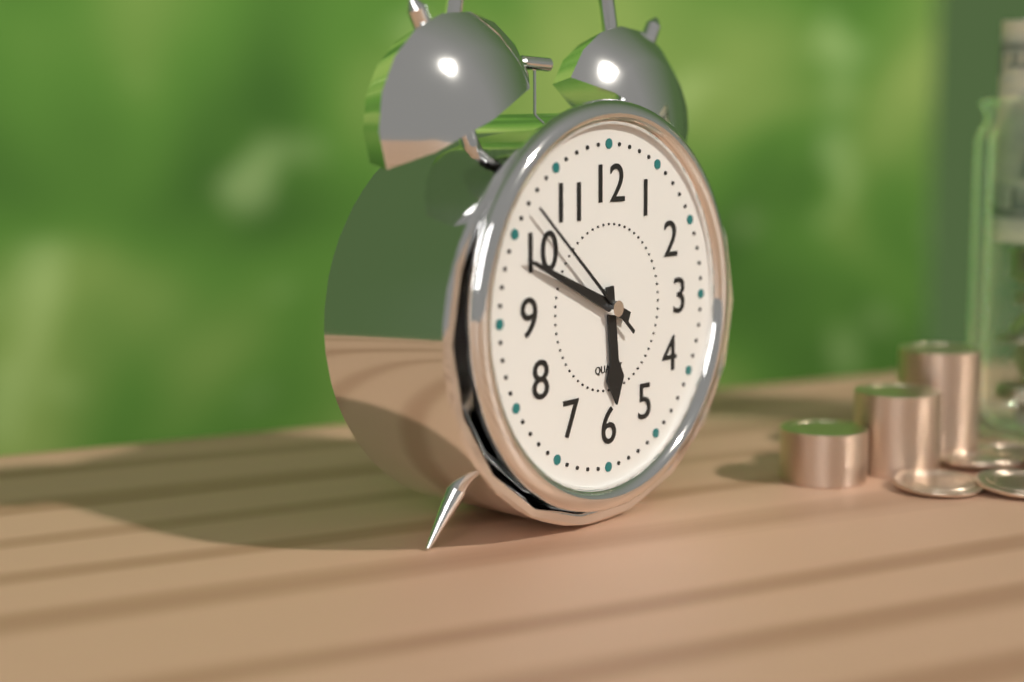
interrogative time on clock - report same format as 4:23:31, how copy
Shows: 5:49:52
